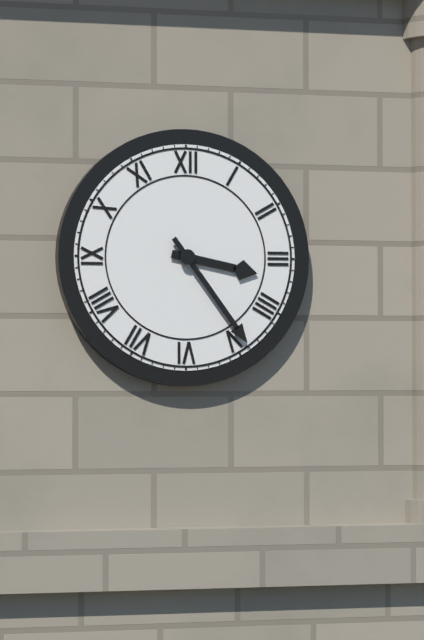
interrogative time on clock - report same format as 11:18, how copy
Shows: 3:24
